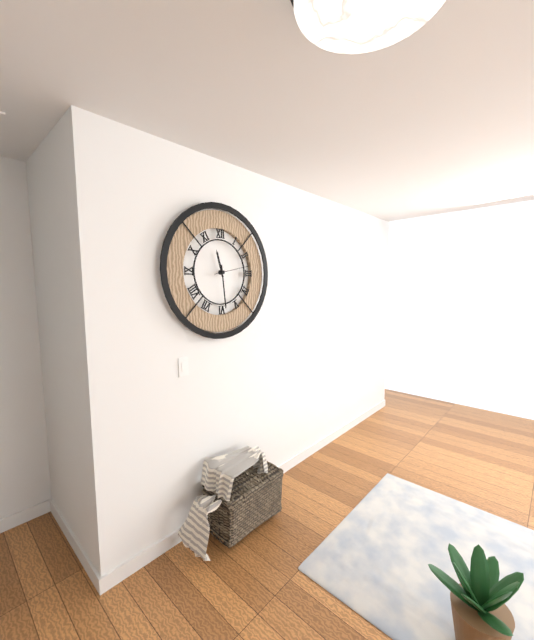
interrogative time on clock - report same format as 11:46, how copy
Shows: 11:29
